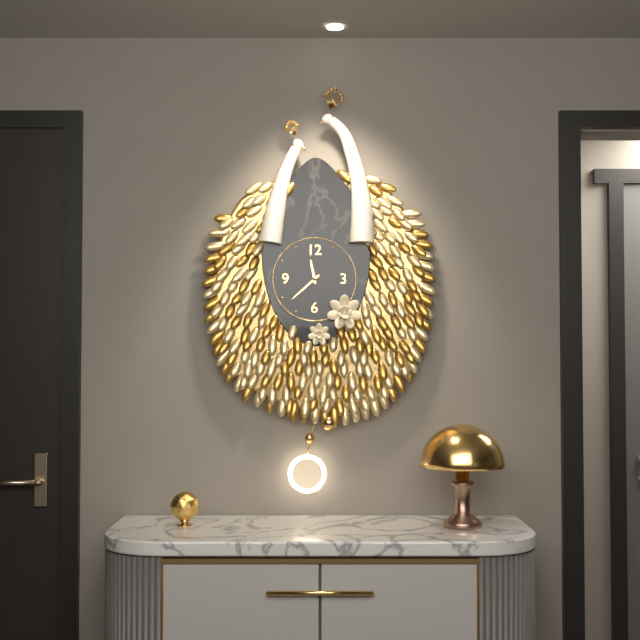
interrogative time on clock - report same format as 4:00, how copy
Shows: 11:38
